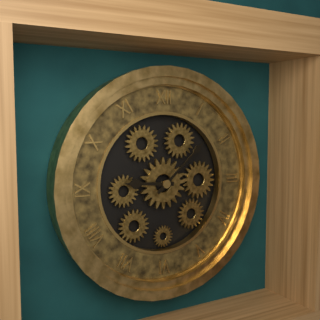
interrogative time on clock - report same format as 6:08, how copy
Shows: 9:08
